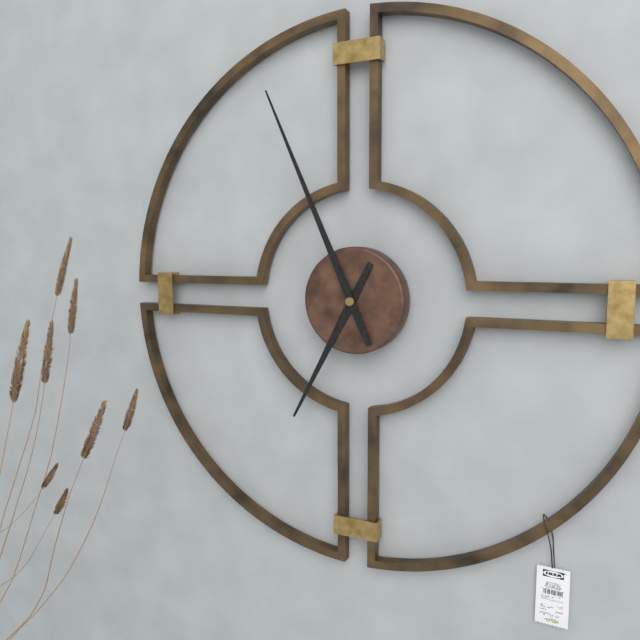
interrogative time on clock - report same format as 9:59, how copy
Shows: 6:56
